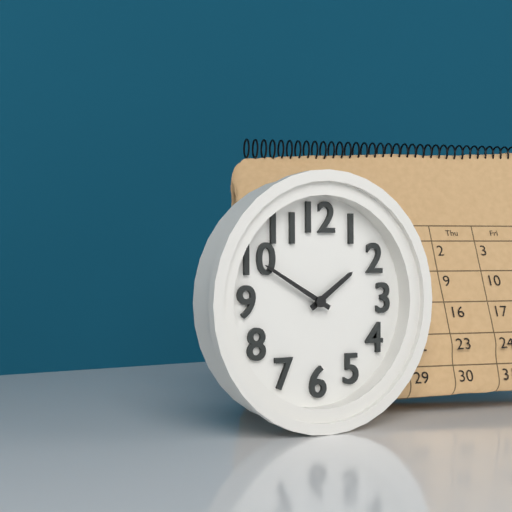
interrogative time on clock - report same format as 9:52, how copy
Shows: 1:50
